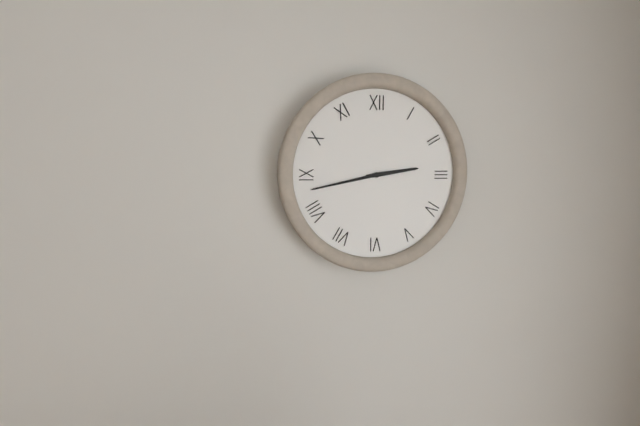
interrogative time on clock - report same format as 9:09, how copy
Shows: 2:43
